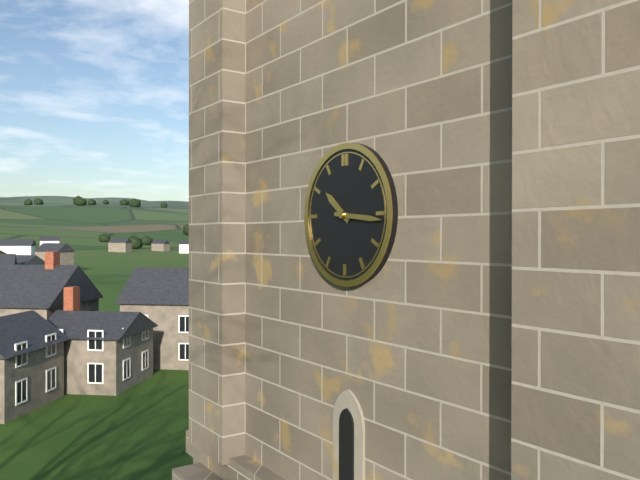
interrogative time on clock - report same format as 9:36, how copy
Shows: 10:16
